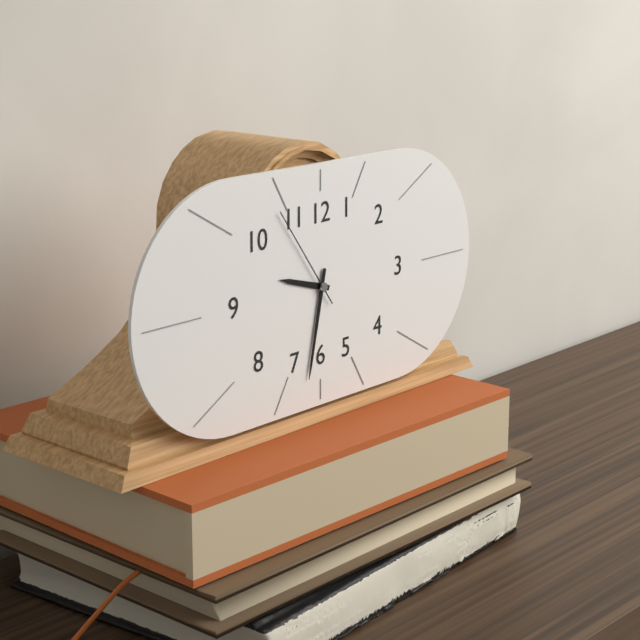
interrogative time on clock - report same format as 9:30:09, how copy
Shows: 9:32:54
